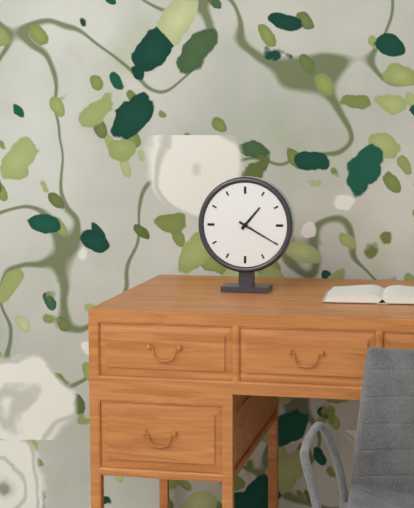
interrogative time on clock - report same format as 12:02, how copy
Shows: 1:20
